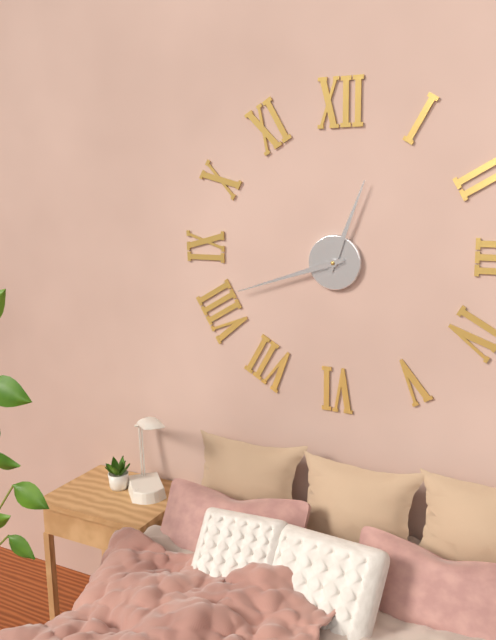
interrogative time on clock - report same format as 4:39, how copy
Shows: 12:42
